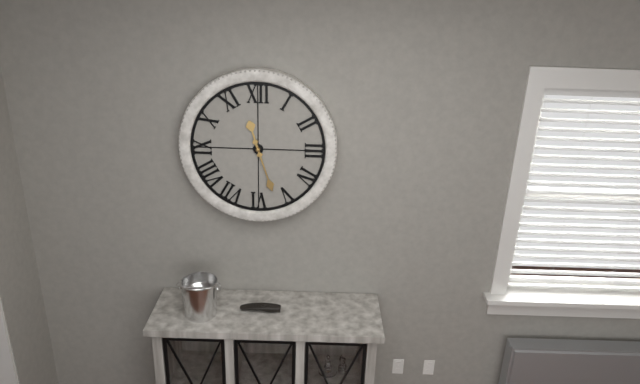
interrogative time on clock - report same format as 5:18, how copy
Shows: 11:27
